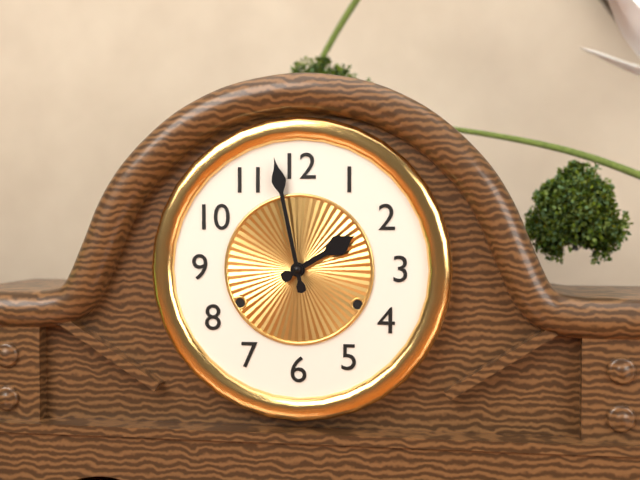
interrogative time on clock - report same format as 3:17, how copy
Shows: 1:58
